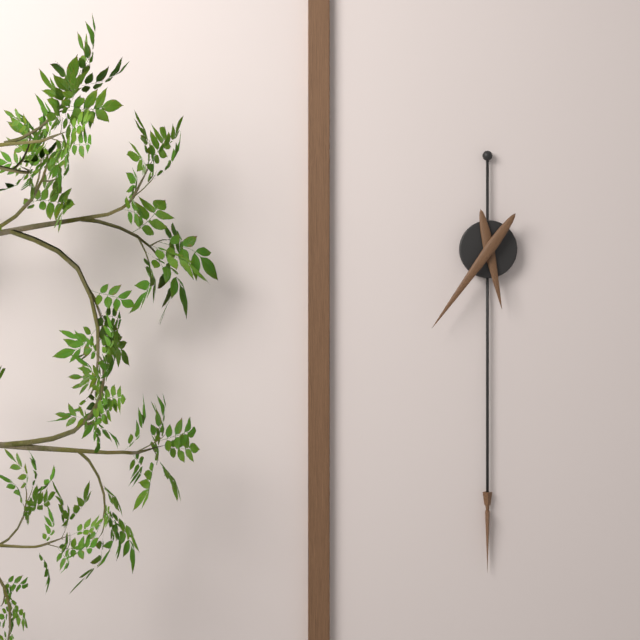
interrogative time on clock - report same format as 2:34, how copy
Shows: 5:36
